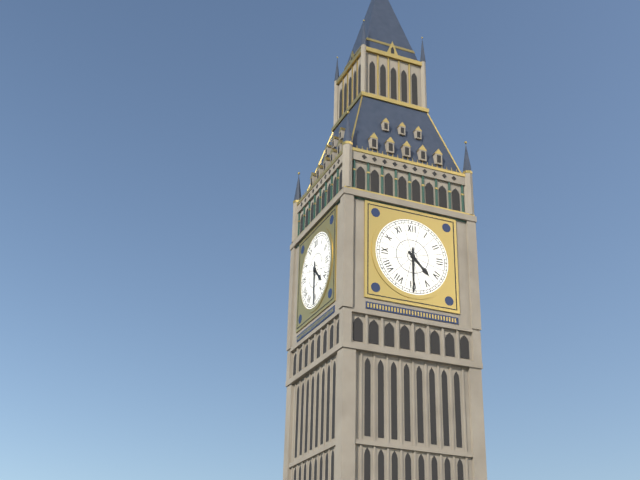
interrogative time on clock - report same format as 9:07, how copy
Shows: 4:30
